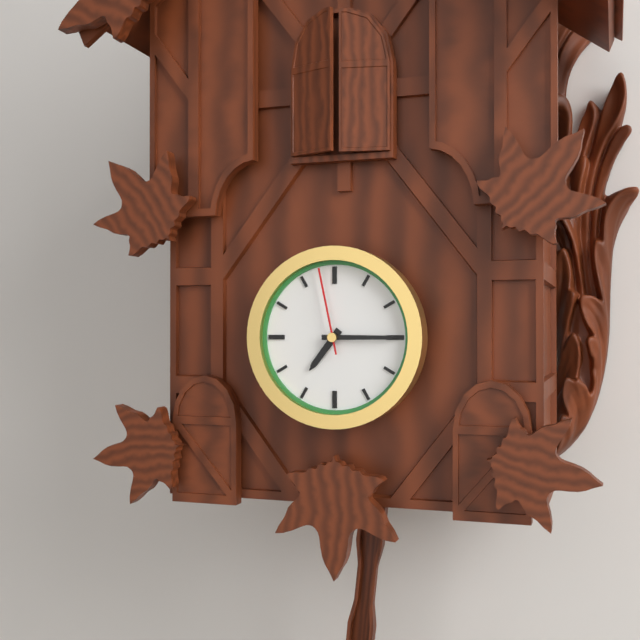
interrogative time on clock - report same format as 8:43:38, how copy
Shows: 7:15:58
